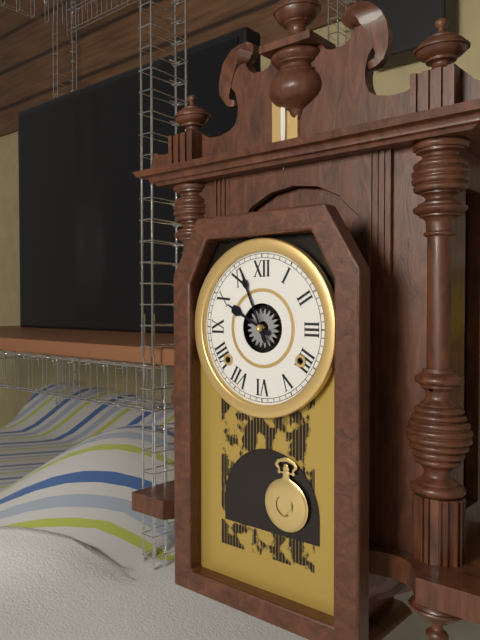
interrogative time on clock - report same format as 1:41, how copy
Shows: 9:56
